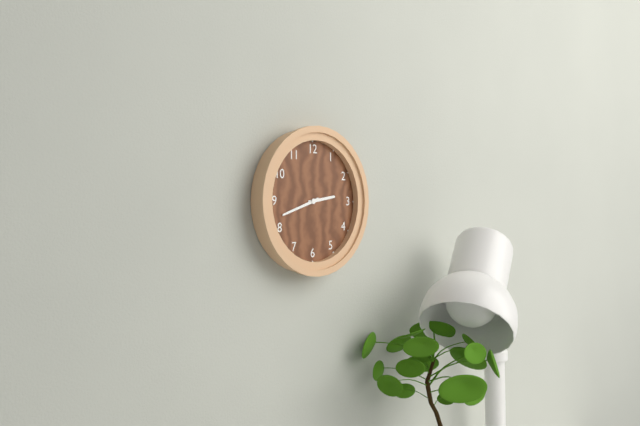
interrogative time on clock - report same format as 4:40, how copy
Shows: 2:42
